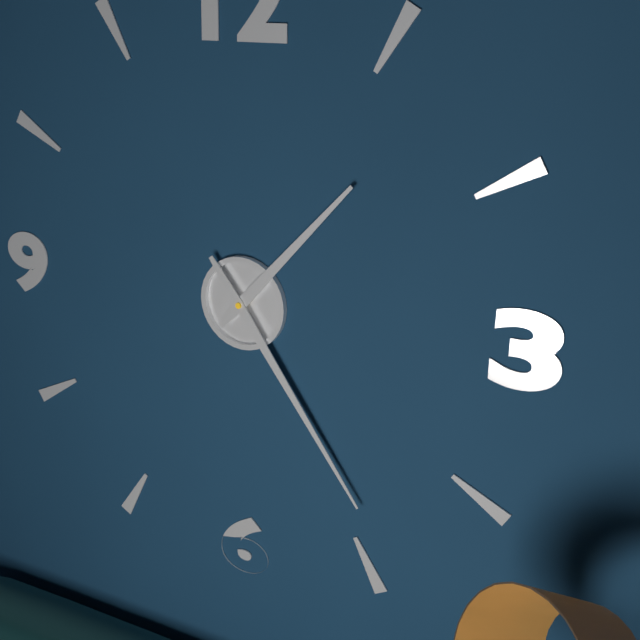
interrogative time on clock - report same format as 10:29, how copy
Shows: 1:24
